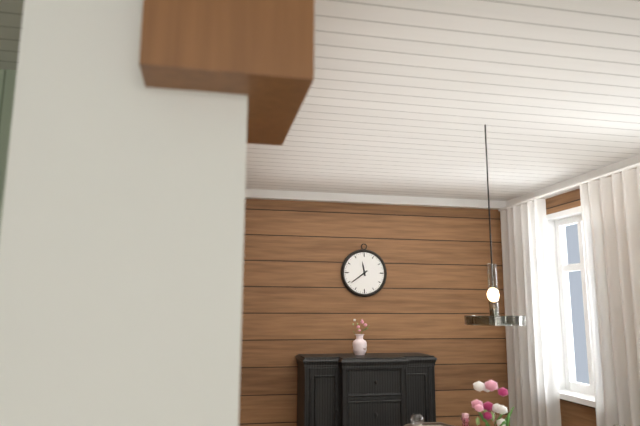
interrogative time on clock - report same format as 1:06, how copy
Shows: 11:39
